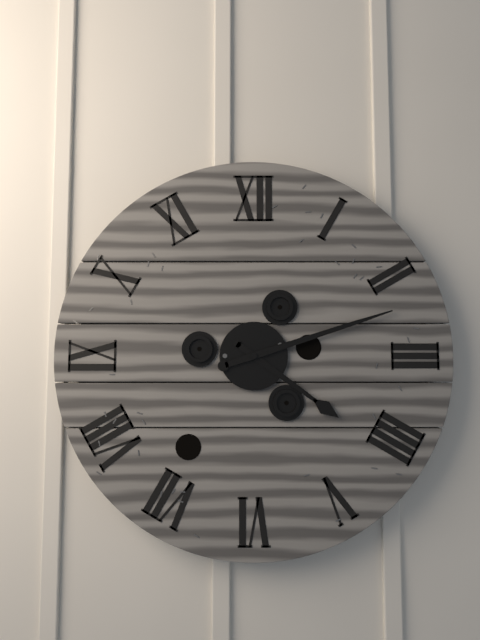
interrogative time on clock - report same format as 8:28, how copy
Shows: 4:12
